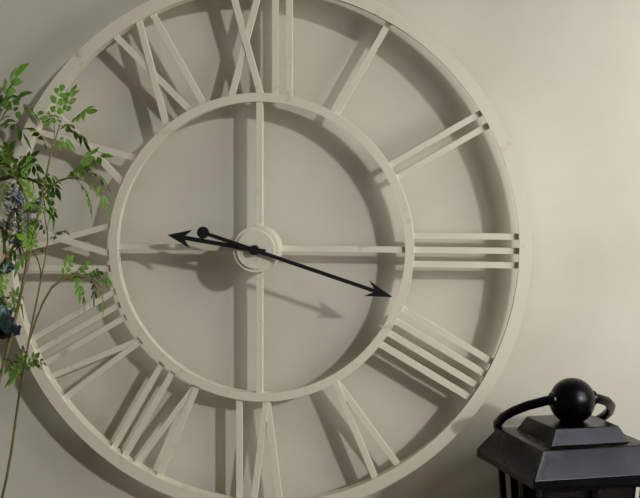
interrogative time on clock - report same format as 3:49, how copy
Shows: 9:18
